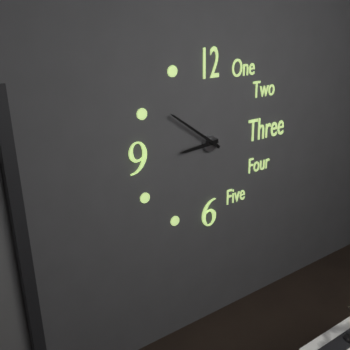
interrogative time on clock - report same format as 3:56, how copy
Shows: 8:51
